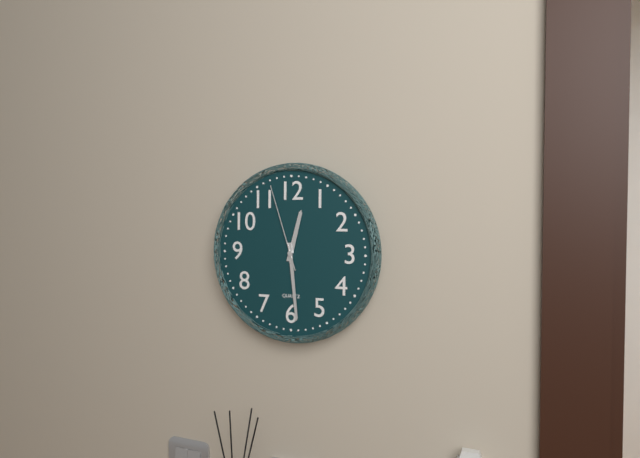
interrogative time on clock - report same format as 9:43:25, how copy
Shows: 12:29:57
